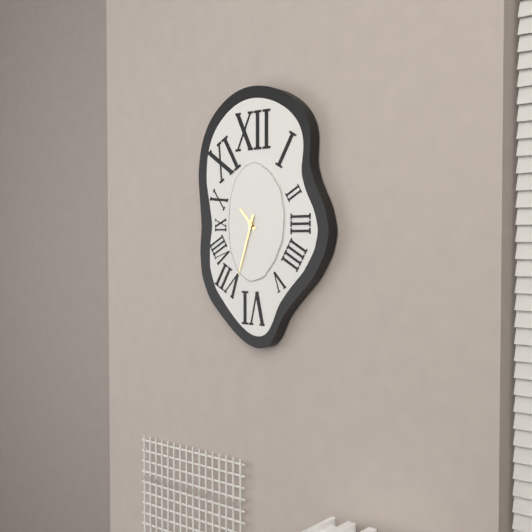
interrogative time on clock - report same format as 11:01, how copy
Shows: 10:33
